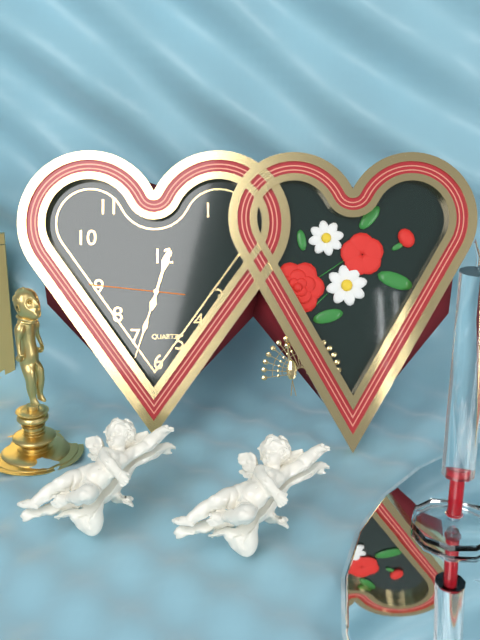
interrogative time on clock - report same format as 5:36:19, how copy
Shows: 12:33:46
